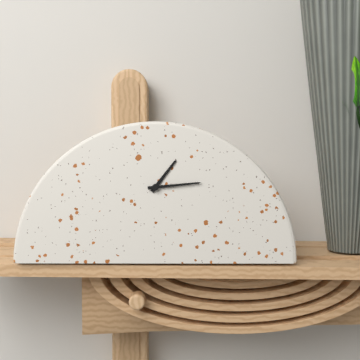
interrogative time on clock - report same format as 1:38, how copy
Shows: 1:14
